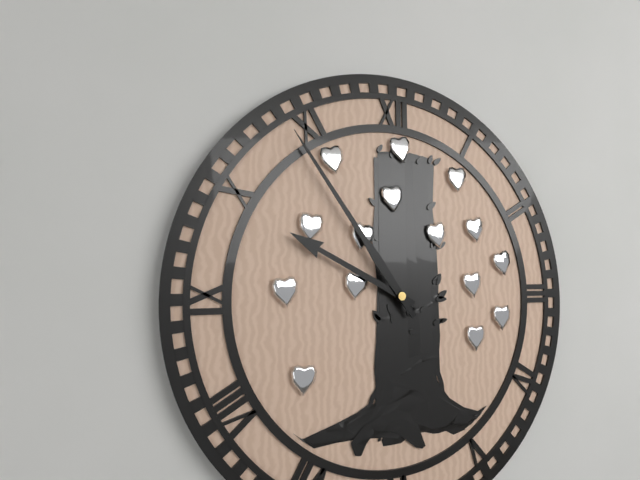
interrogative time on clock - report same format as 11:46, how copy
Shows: 9:54
